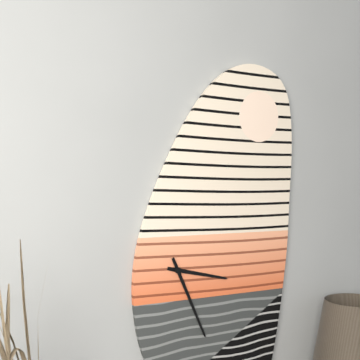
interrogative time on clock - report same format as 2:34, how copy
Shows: 3:26
